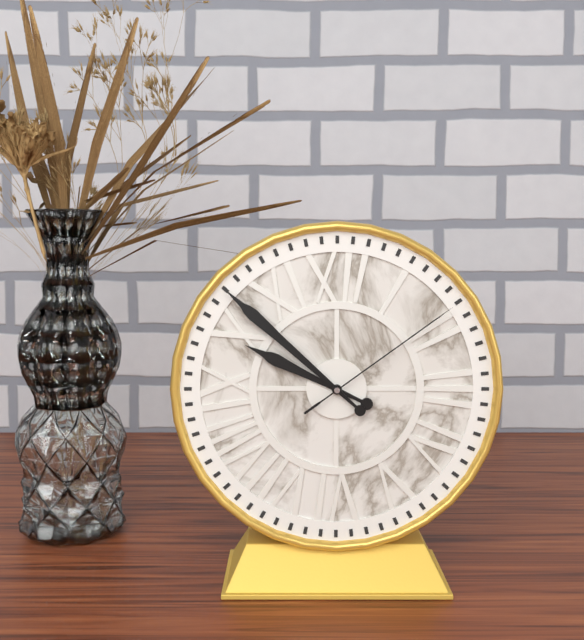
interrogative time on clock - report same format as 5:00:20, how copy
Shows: 9:52:09
